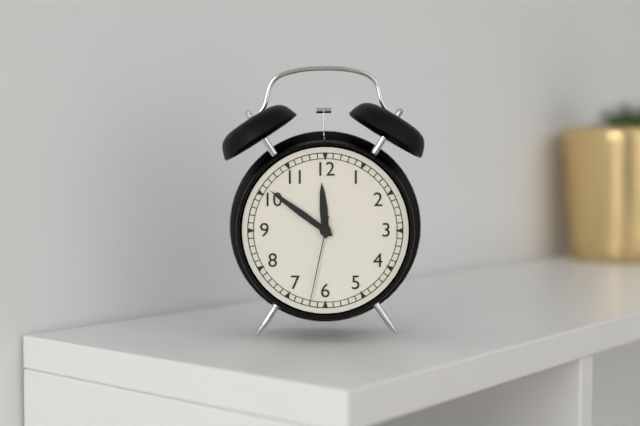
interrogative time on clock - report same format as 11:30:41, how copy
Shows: 11:51:32
